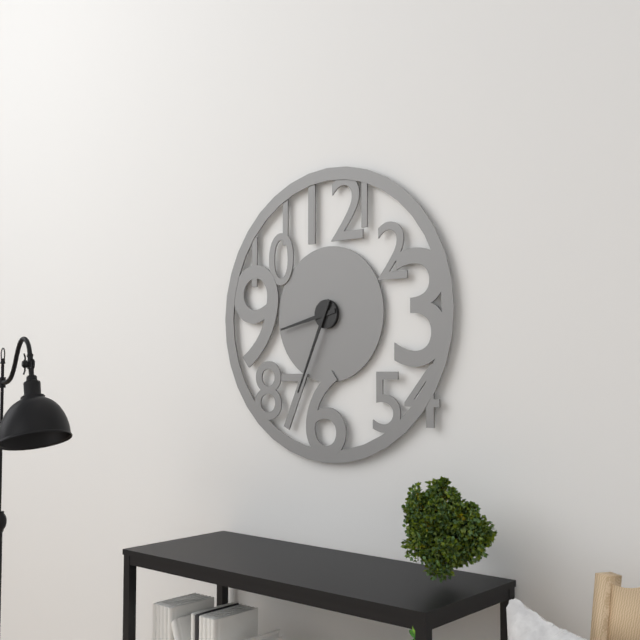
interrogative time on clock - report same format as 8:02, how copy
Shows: 8:34
